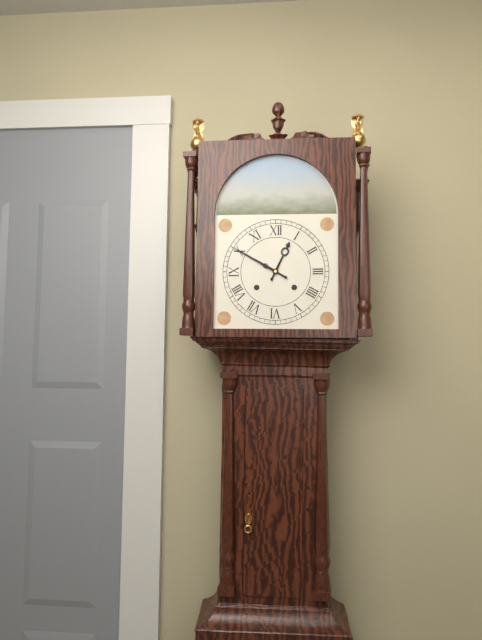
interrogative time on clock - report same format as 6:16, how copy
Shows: 12:50
